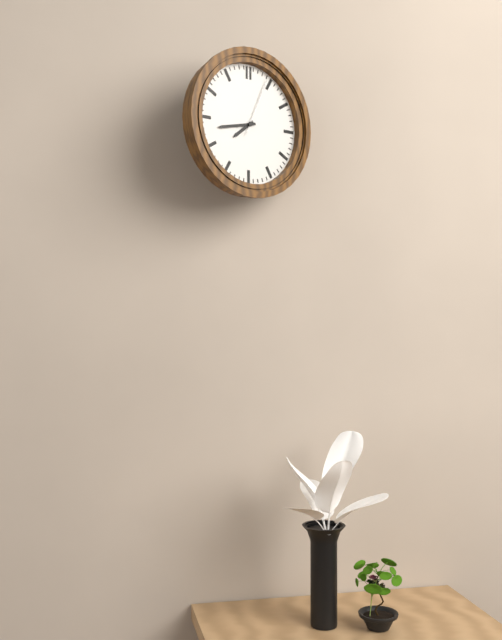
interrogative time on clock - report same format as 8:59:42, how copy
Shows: 7:43:04
